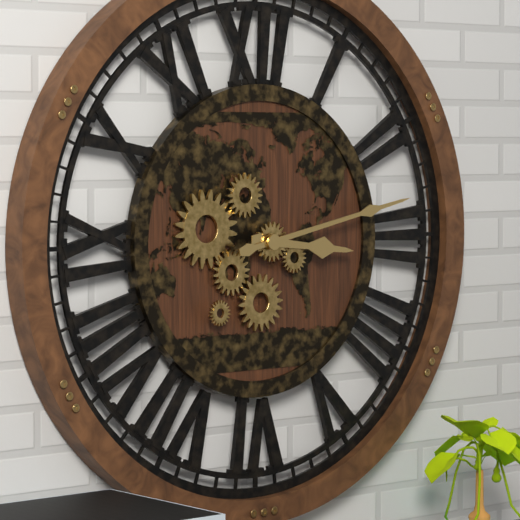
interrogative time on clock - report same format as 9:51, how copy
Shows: 3:13
